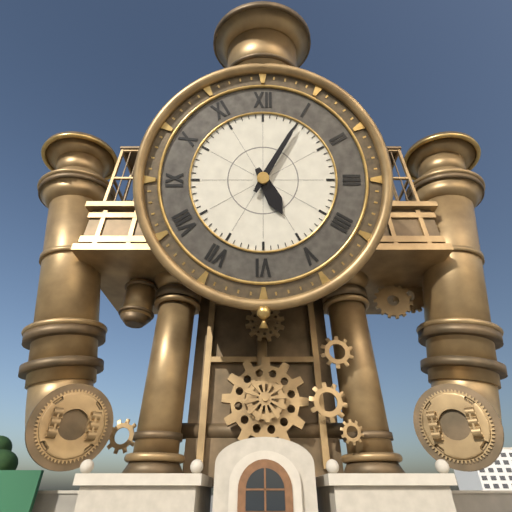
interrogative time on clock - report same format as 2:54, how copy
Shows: 5:05
